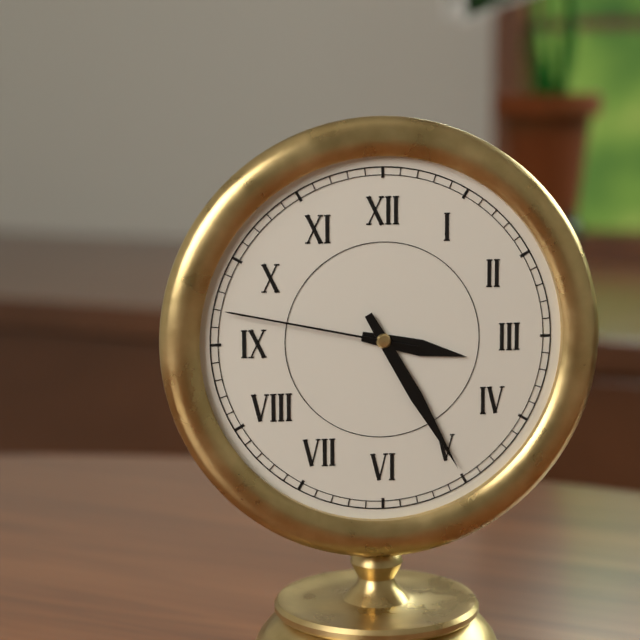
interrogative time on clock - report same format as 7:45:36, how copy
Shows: 3:25:47
